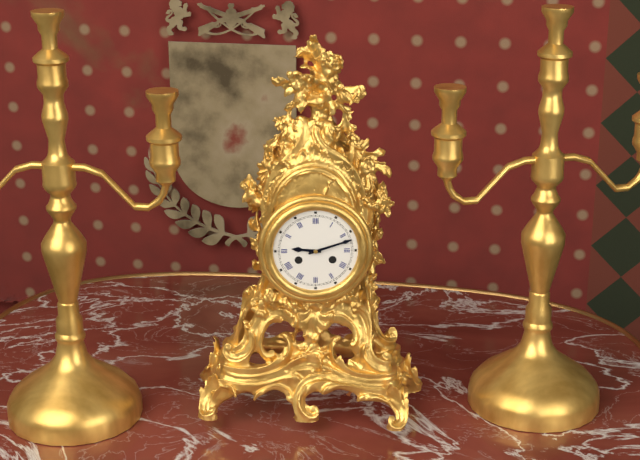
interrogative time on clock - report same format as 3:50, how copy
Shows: 9:12
